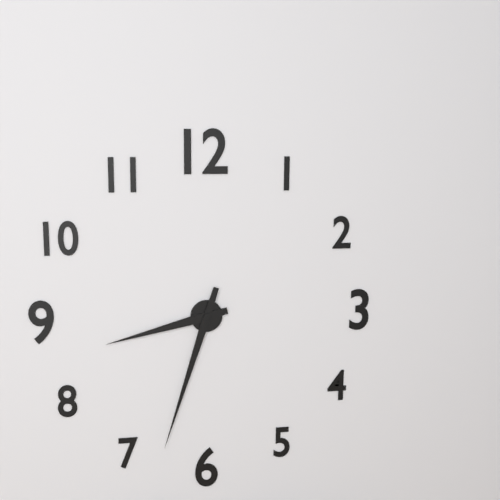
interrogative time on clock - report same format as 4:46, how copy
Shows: 8:33
